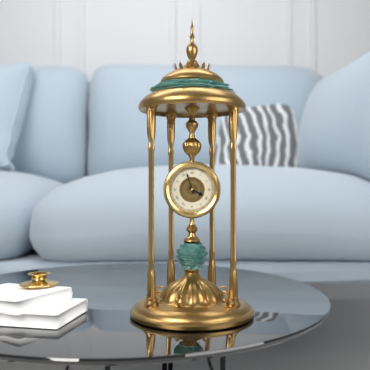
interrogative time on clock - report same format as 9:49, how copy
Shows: 3:57
